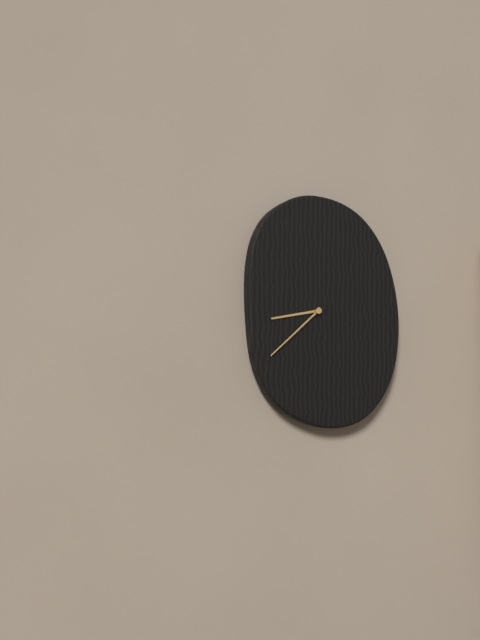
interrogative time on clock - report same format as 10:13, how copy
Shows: 8:38
